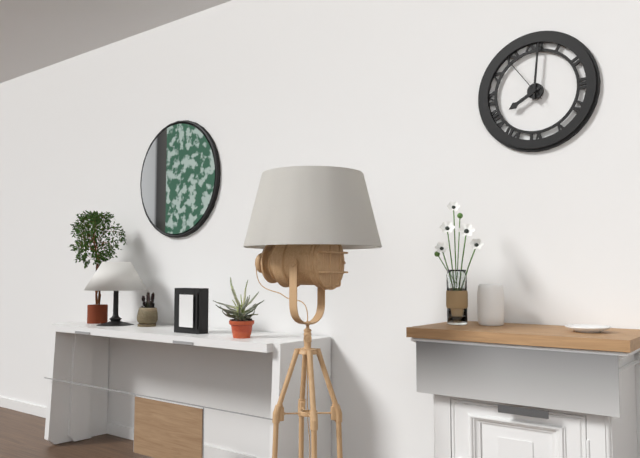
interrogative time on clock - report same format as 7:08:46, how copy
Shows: 8:01:54
